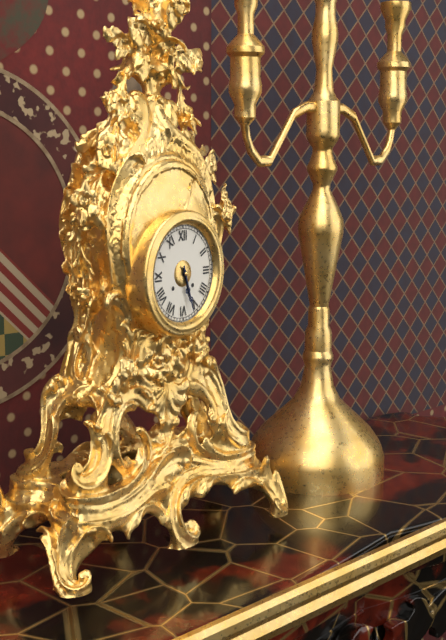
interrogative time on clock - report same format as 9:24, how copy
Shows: 5:27
